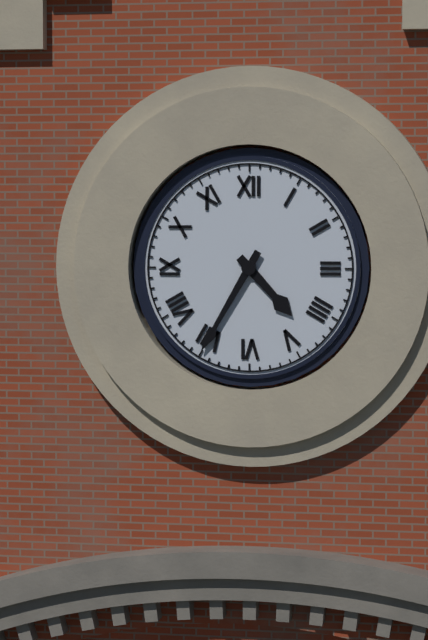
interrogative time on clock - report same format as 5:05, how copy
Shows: 4:35
